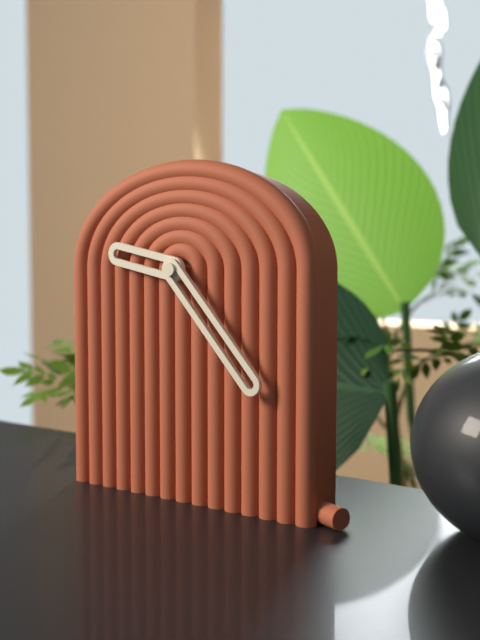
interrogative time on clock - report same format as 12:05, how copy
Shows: 9:23
